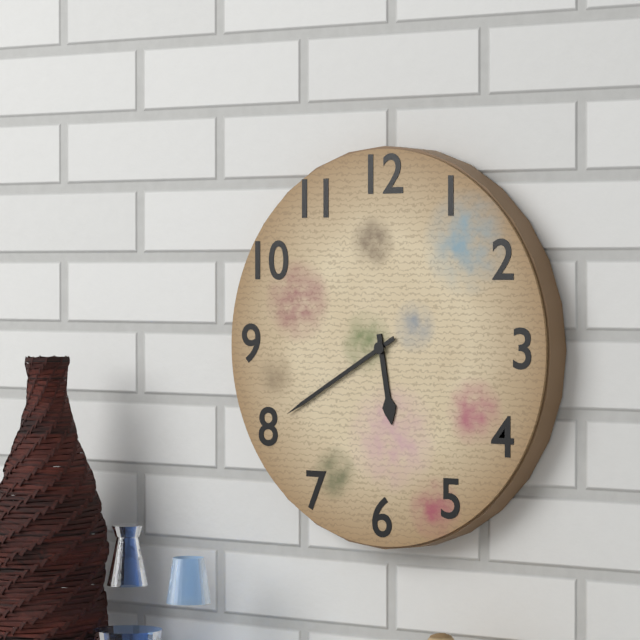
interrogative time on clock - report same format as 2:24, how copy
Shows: 5:40
